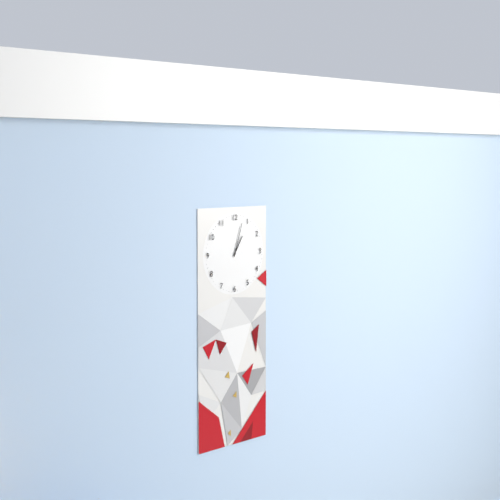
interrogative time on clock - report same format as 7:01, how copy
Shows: 1:03
